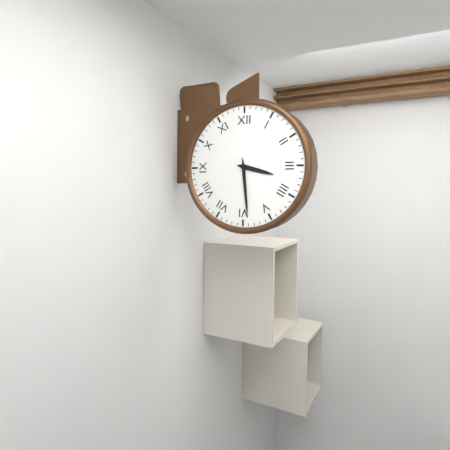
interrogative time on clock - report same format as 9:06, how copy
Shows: 3:29
